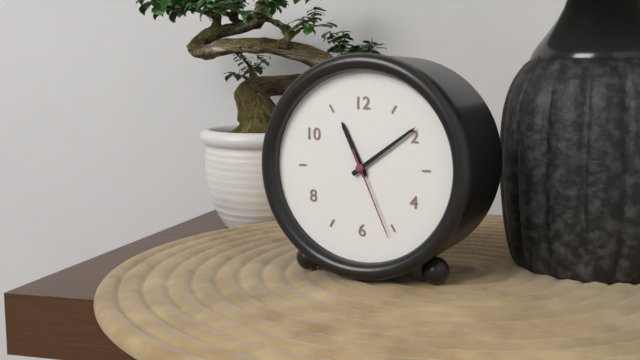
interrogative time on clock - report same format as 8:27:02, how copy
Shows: 11:09:26
